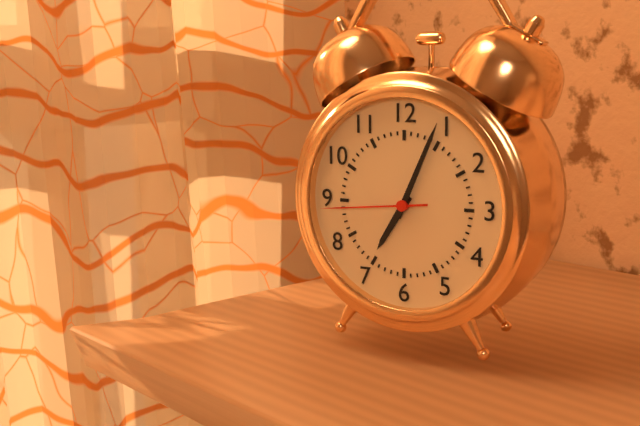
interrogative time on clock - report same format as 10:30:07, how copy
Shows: 7:04:44
